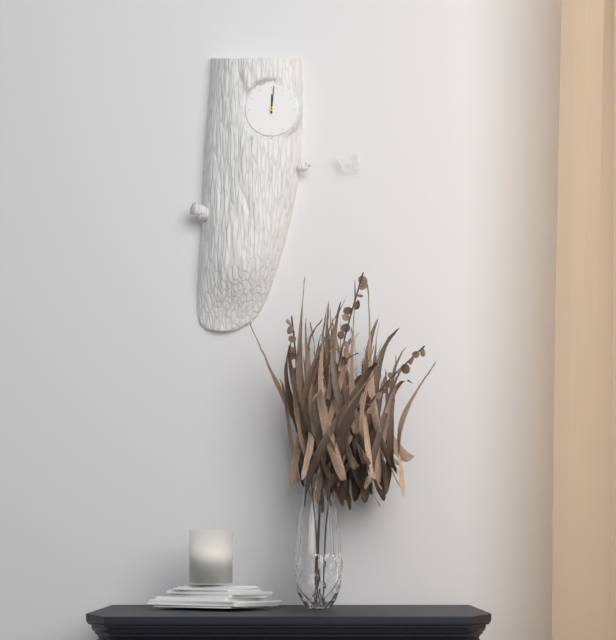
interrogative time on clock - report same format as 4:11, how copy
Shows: 12:01
